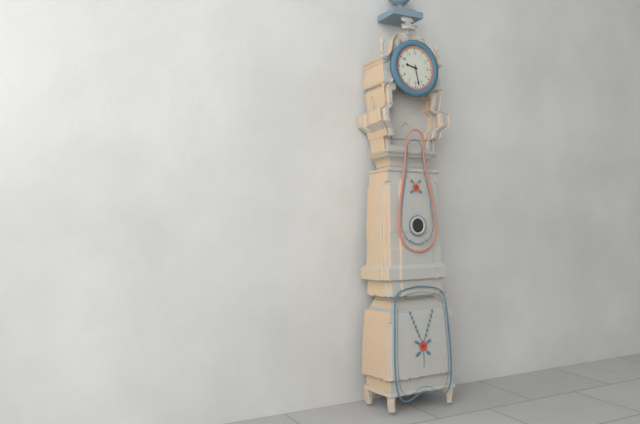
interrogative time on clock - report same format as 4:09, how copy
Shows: 9:28
